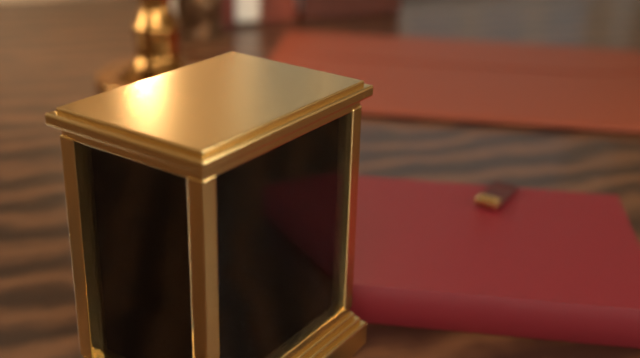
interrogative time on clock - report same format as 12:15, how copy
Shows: 4:12
